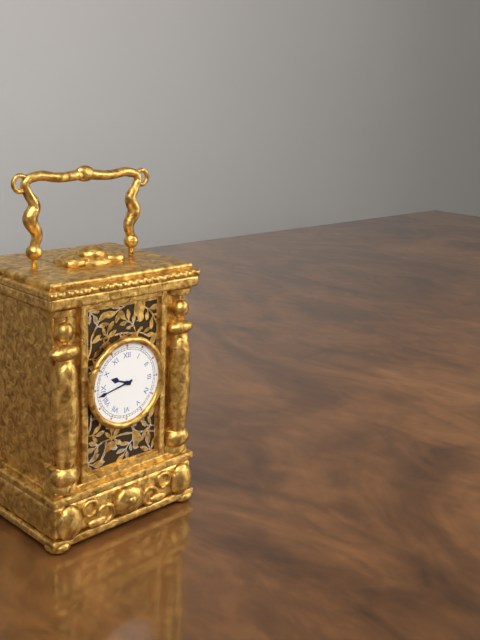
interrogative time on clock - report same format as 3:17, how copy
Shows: 9:43
